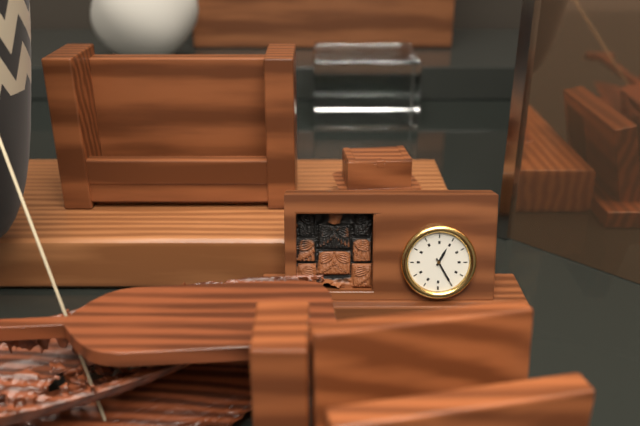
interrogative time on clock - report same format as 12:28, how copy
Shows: 6:55
